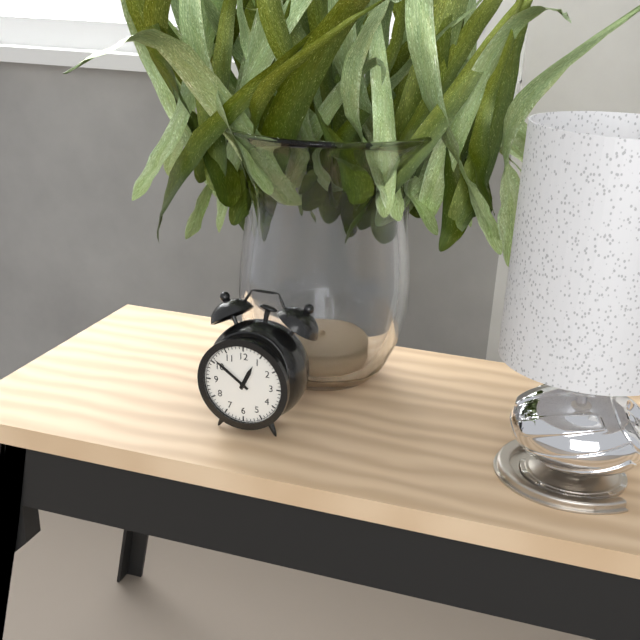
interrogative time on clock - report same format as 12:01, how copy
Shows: 12:51
